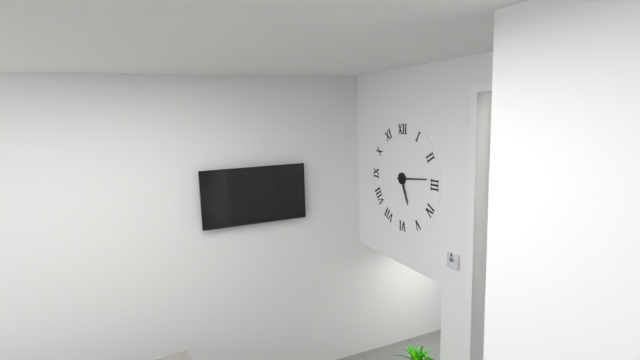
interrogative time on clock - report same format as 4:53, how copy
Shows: 5:14
